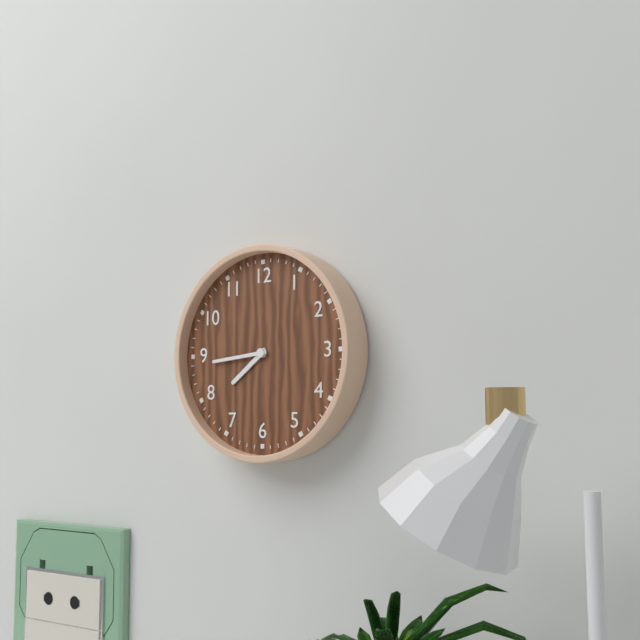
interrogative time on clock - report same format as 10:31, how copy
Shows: 7:44
